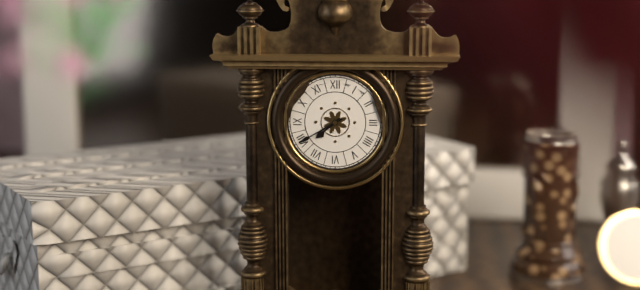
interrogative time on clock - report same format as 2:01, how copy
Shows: 7:40
